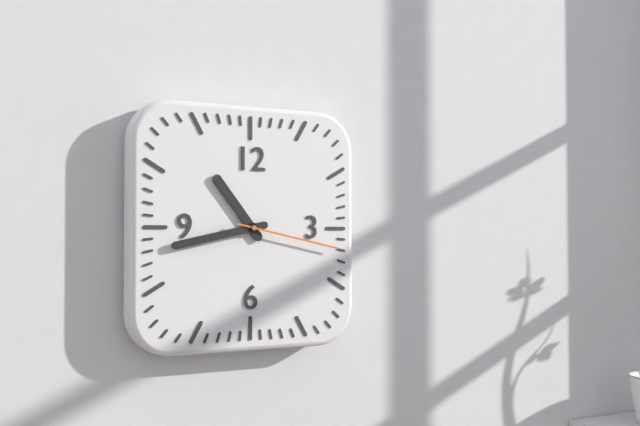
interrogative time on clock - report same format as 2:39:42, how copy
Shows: 10:43:17
